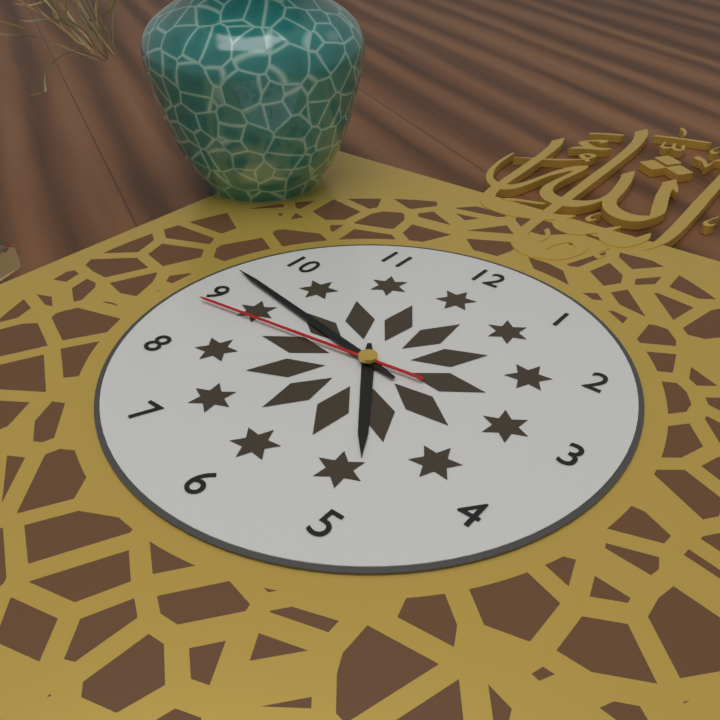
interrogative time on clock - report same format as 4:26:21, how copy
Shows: 4:47:44
